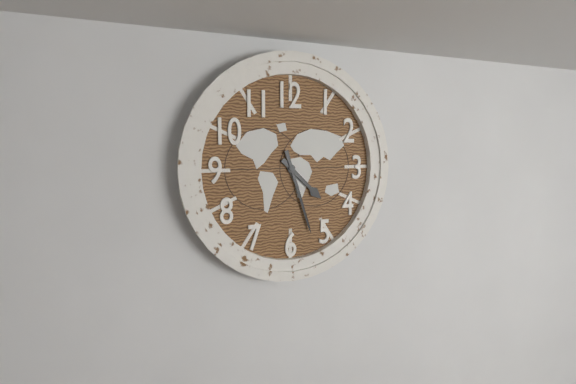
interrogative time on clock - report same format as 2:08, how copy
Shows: 4:27
